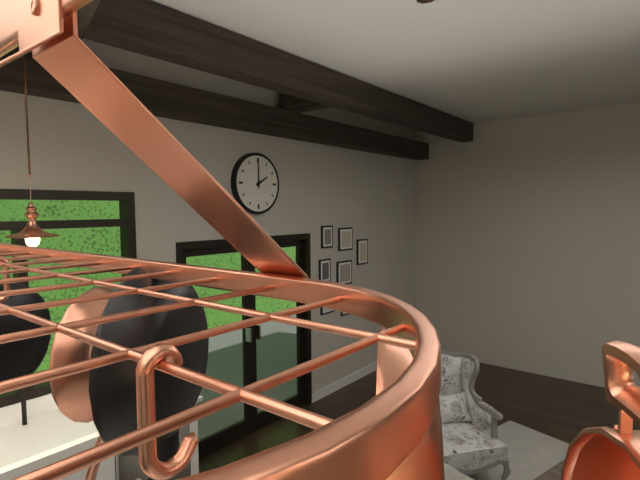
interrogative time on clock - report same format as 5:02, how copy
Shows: 2:00
